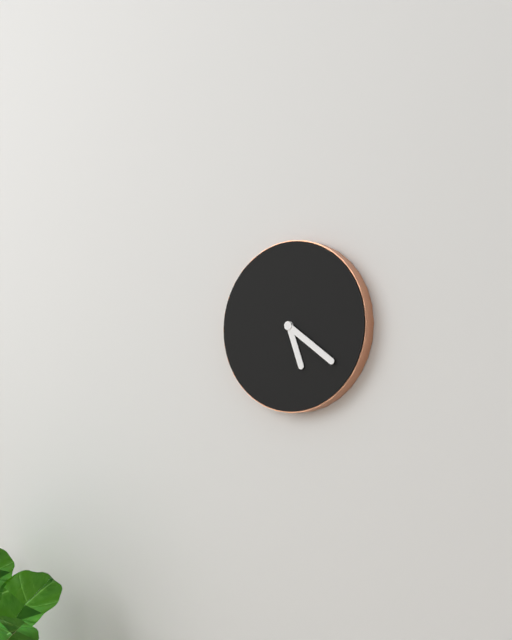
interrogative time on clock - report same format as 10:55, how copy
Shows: 5:21
